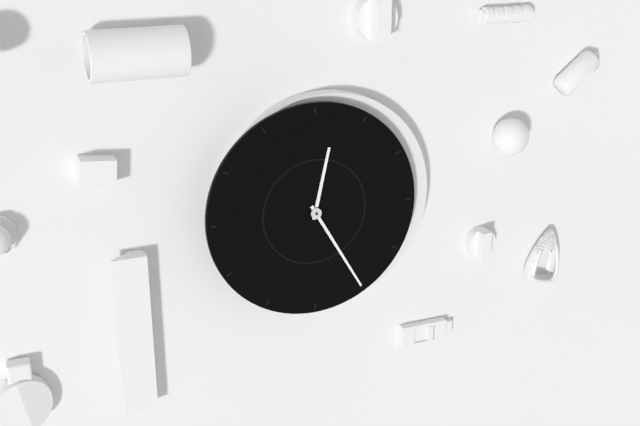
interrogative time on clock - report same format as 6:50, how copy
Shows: 12:25
